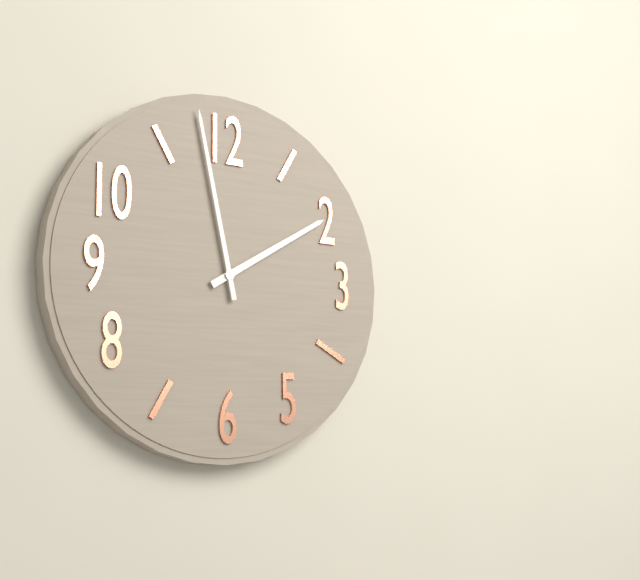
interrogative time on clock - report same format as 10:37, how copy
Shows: 1:58
